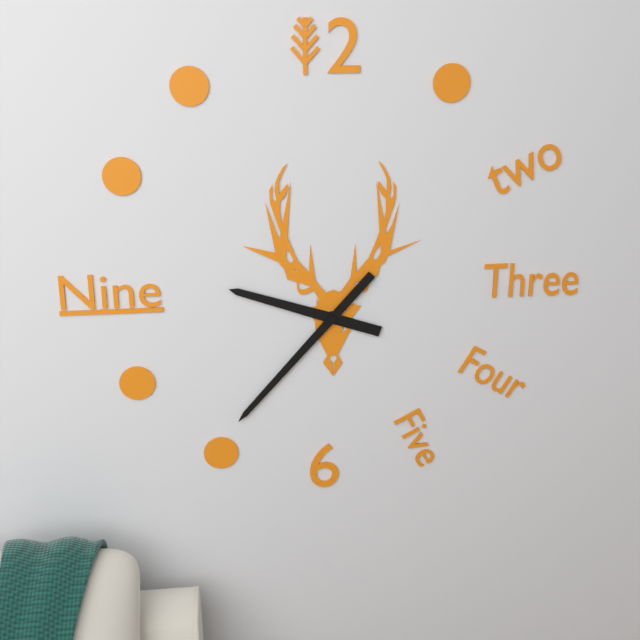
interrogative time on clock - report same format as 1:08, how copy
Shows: 9:37
